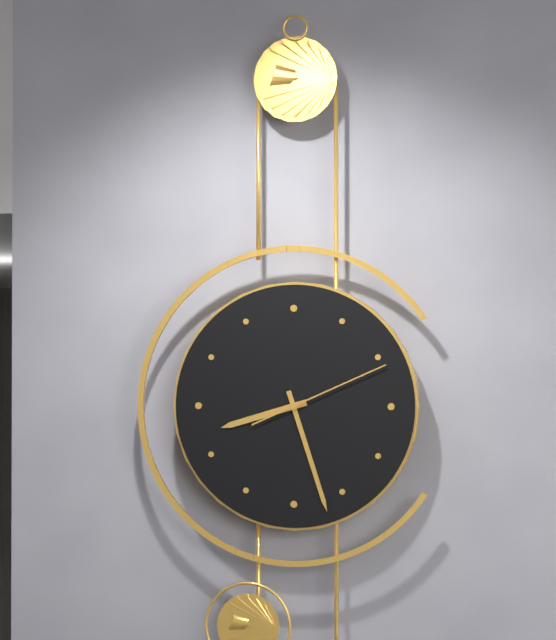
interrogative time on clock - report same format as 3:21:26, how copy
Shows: 8:27:11
